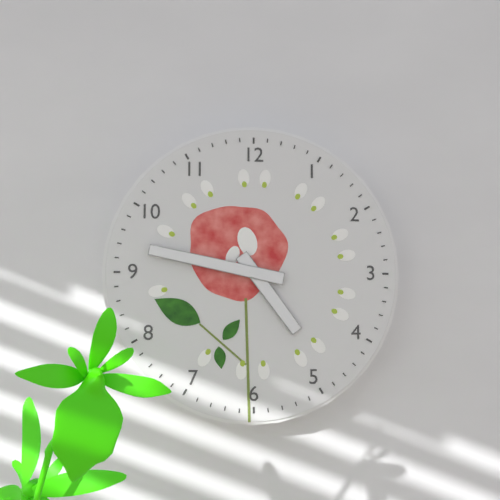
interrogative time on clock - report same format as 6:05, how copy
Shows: 4:47
